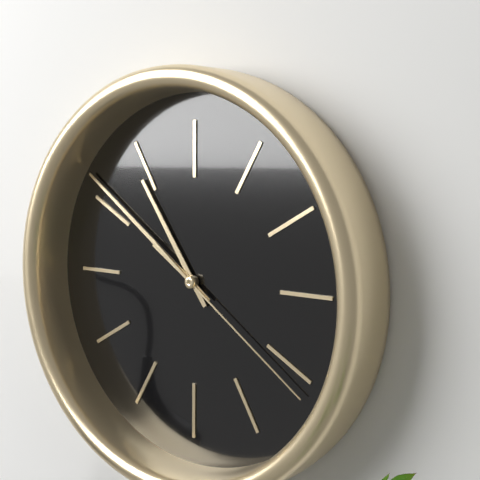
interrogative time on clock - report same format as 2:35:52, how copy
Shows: 10:51:21
